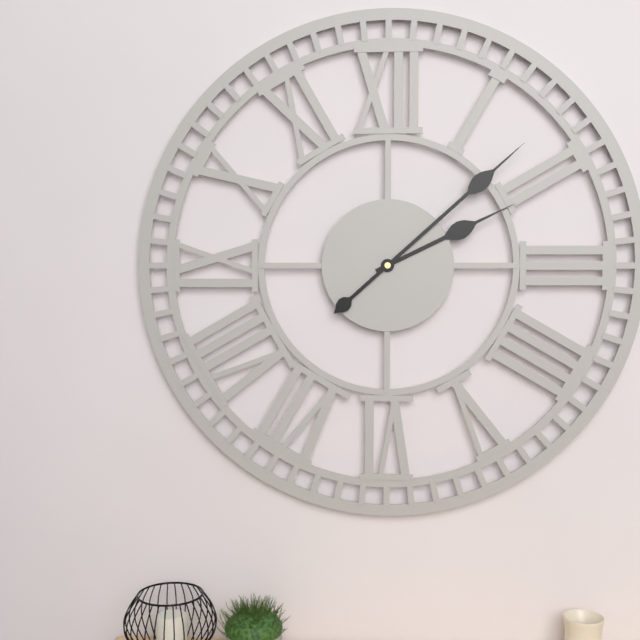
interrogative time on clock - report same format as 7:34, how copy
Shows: 2:08
